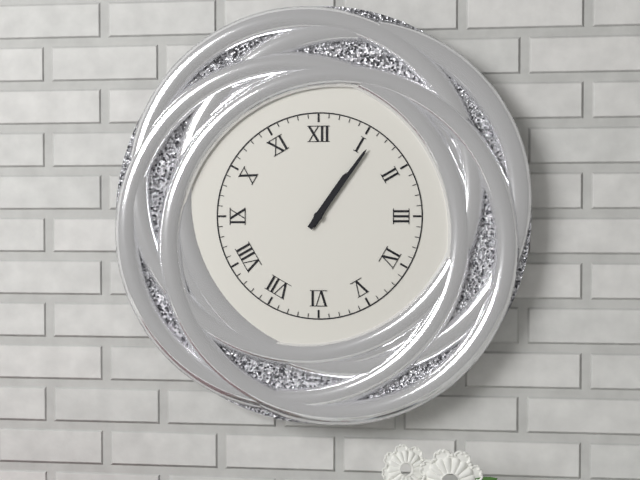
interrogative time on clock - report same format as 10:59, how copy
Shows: 1:06
